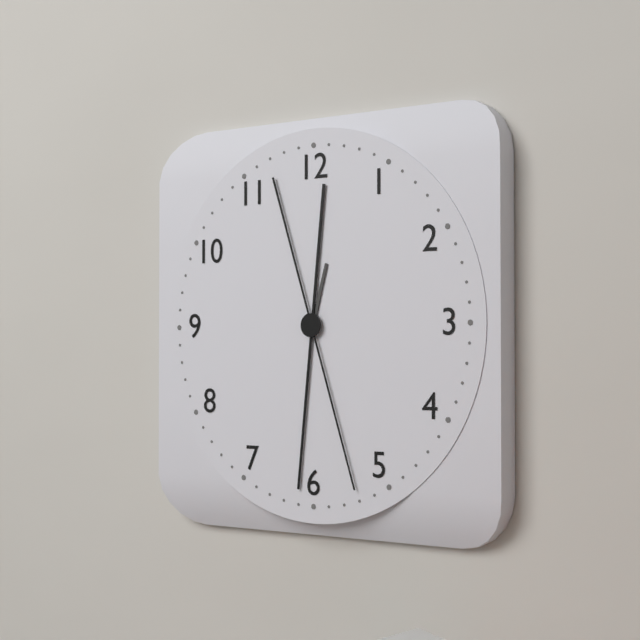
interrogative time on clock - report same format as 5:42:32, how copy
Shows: 12:31:27
